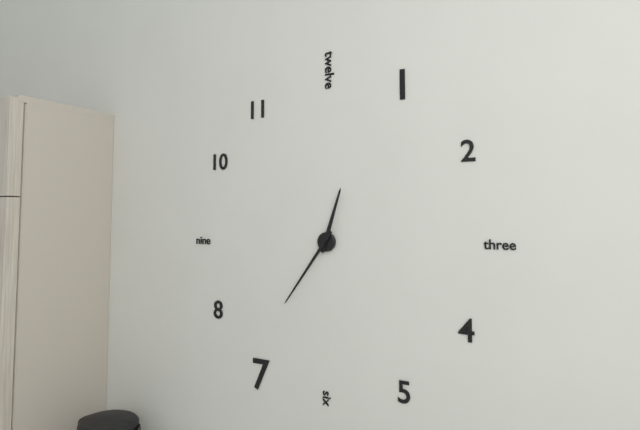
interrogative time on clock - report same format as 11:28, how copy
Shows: 12:36
